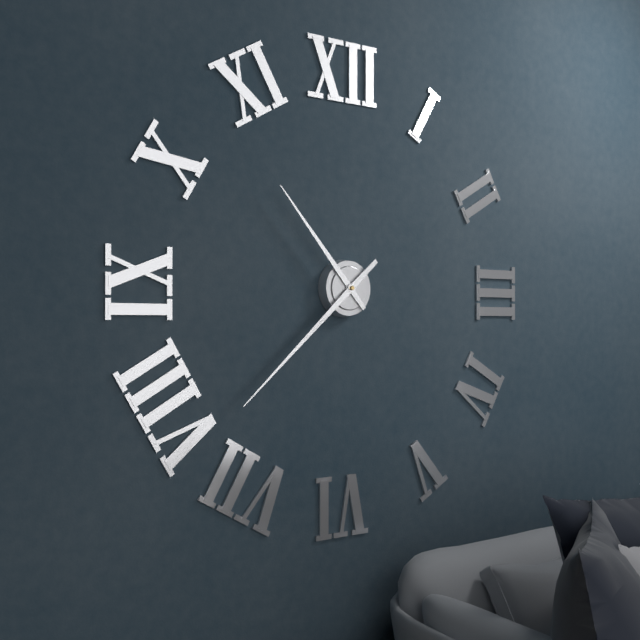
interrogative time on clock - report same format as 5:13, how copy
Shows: 10:38
